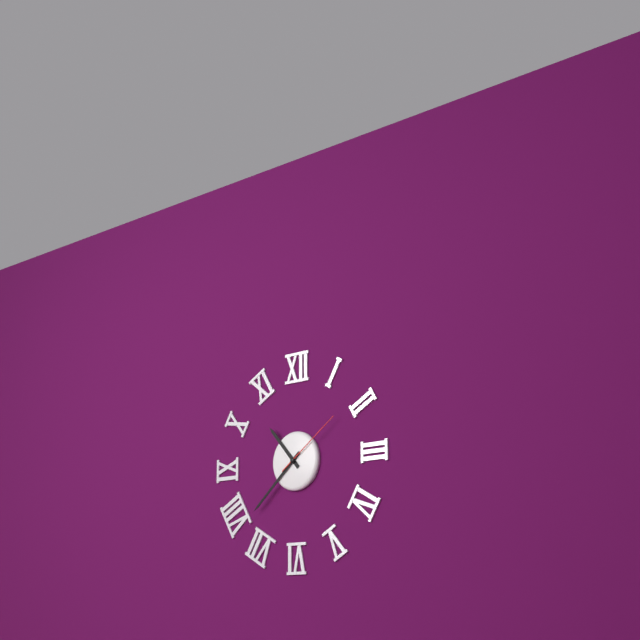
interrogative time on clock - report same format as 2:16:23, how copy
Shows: 10:38:09
